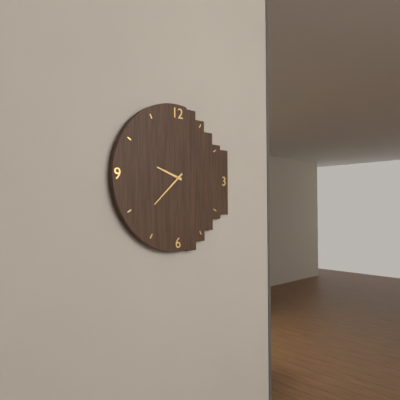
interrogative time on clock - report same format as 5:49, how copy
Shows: 9:38
